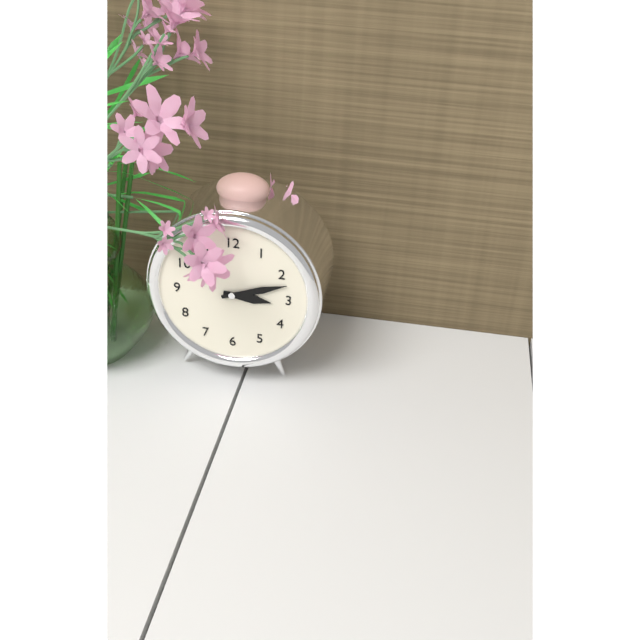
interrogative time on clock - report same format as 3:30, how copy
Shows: 3:12
